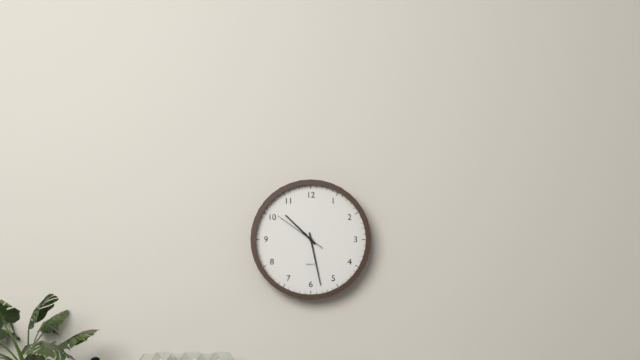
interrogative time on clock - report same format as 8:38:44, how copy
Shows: 10:28:51
